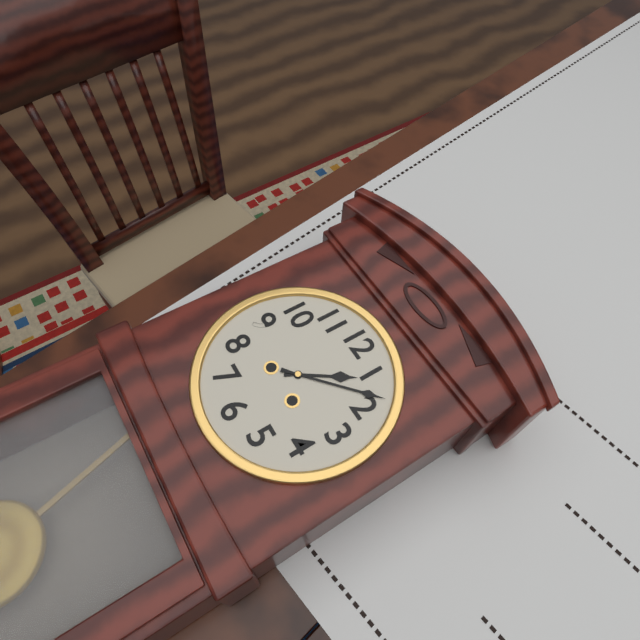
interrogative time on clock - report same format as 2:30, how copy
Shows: 1:08
